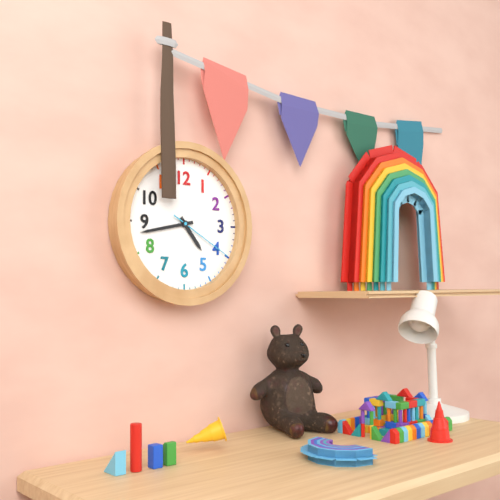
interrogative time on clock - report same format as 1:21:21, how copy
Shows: 4:43:20
